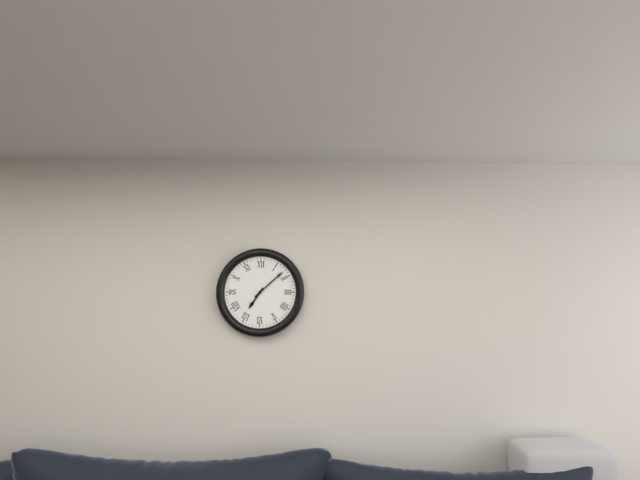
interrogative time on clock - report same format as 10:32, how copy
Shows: 7:08
